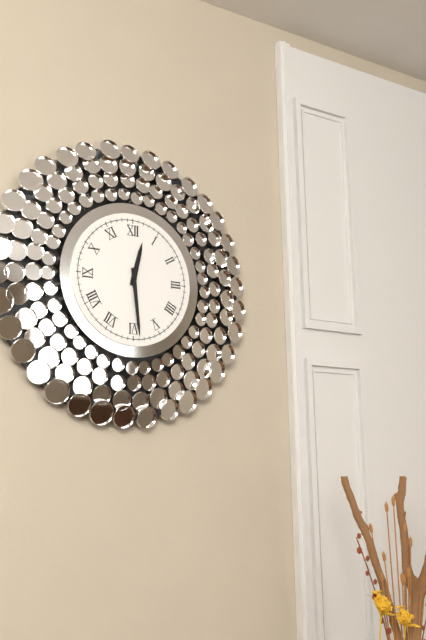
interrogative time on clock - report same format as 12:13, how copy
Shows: 12:29
